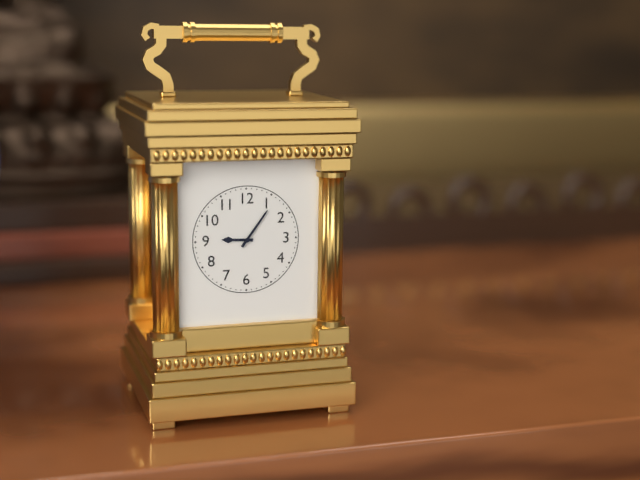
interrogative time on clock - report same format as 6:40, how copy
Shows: 9:06
